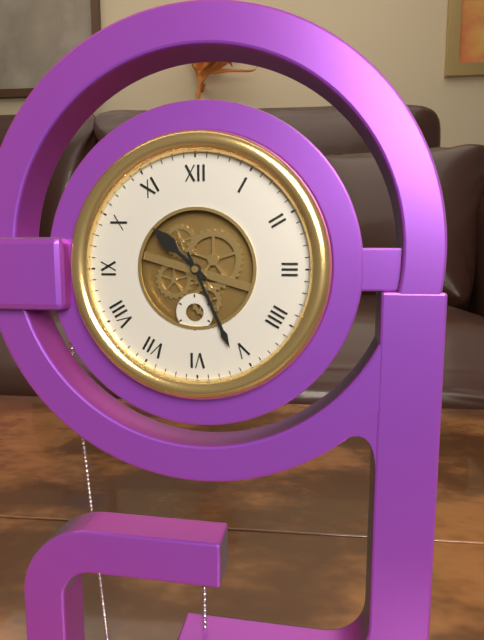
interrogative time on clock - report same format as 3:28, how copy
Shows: 10:26
